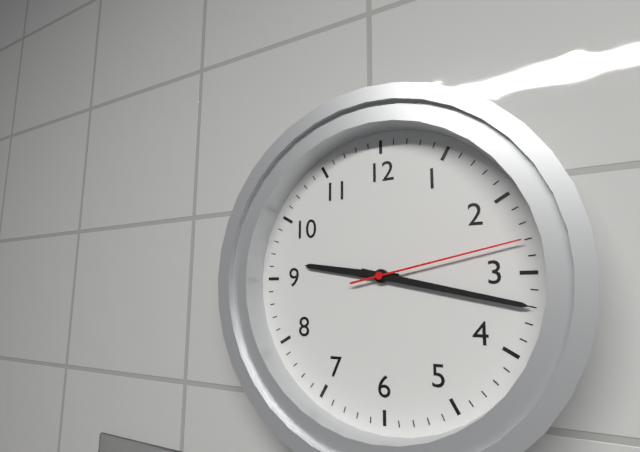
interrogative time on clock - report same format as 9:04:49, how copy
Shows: 9:17:13
